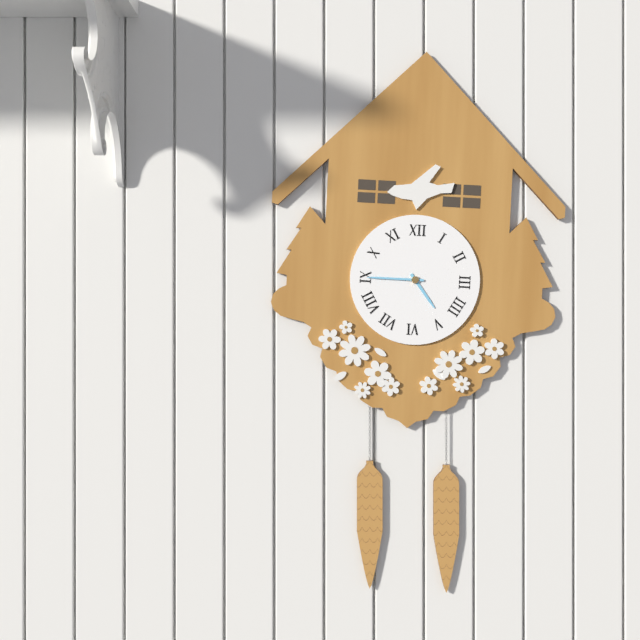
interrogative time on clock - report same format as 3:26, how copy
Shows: 4:45
